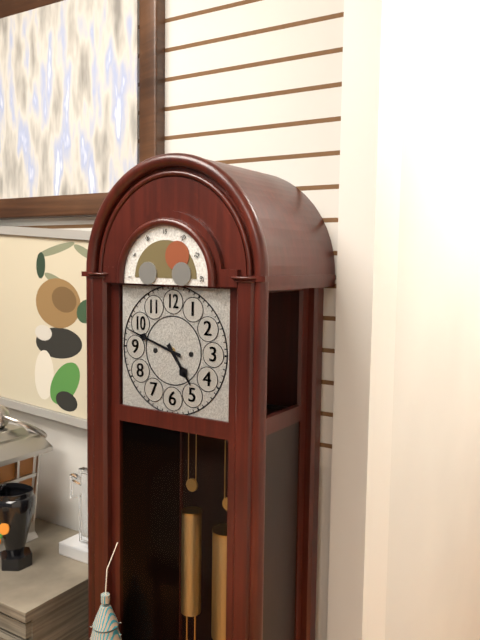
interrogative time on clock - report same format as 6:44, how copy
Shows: 4:48
